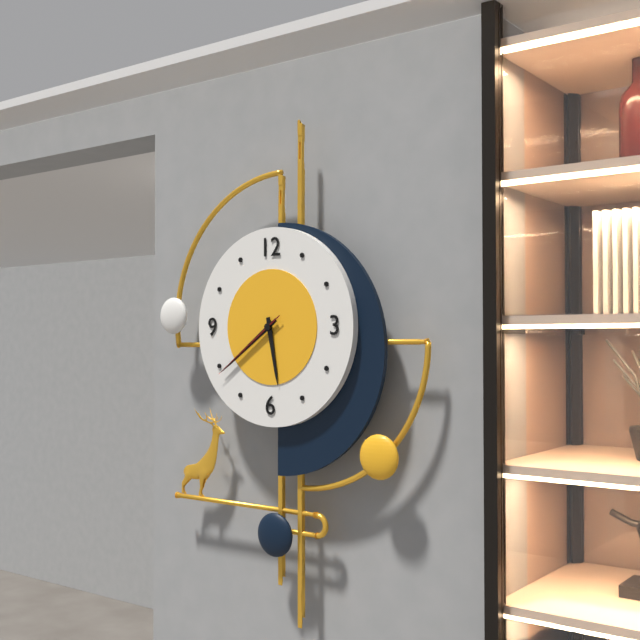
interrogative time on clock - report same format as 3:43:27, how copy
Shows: 5:39:39
